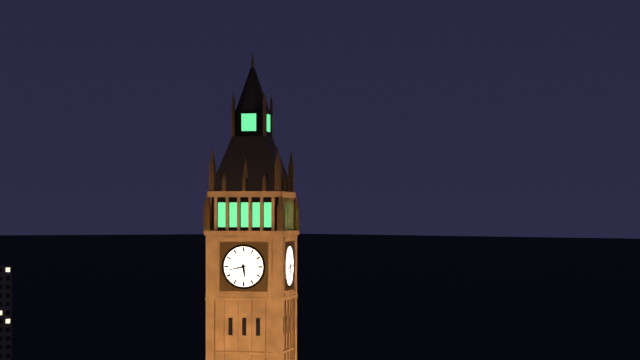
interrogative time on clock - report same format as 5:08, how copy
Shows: 5:43
